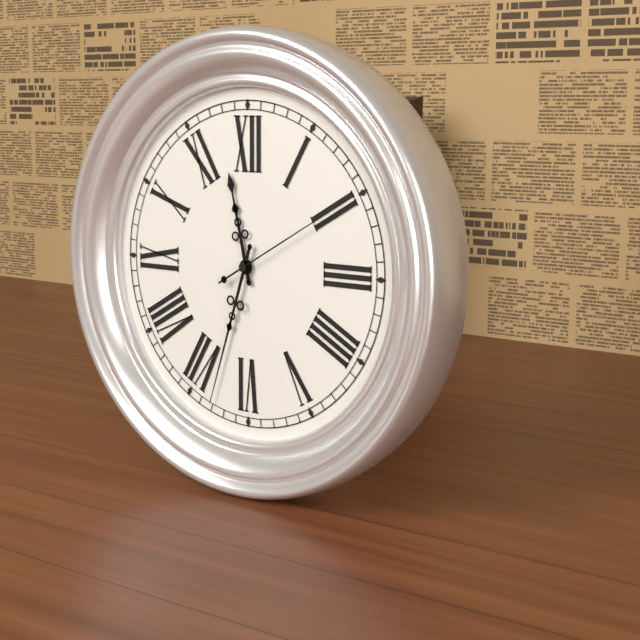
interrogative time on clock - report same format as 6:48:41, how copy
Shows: 11:33:10
